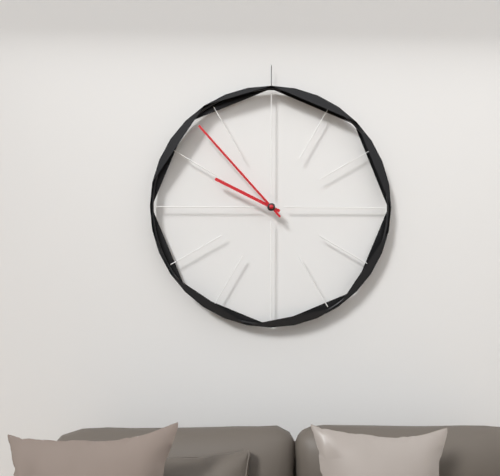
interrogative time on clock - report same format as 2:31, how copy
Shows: 9:53
